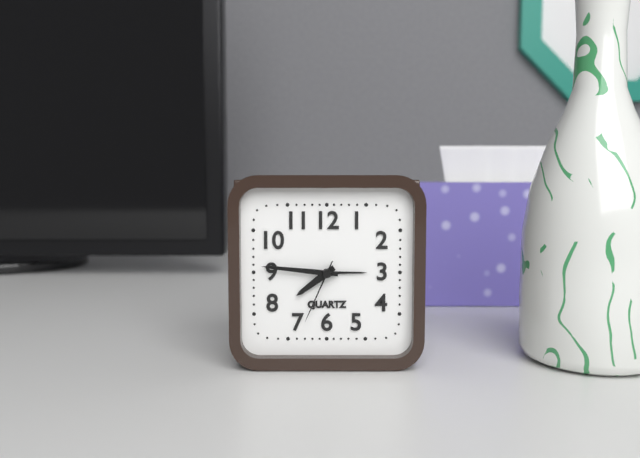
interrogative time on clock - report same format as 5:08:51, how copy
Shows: 7:46:34
